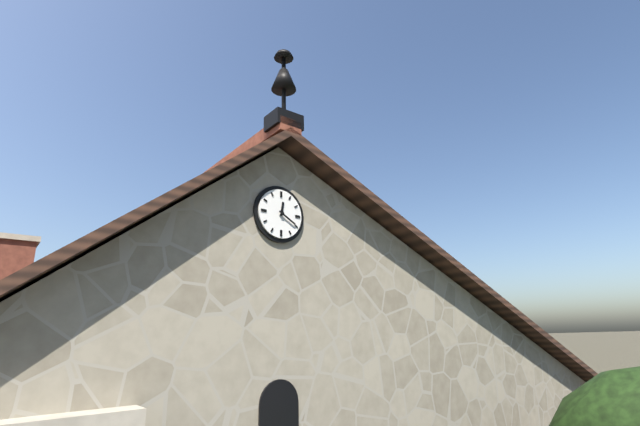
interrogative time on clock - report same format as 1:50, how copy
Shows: 12:20
